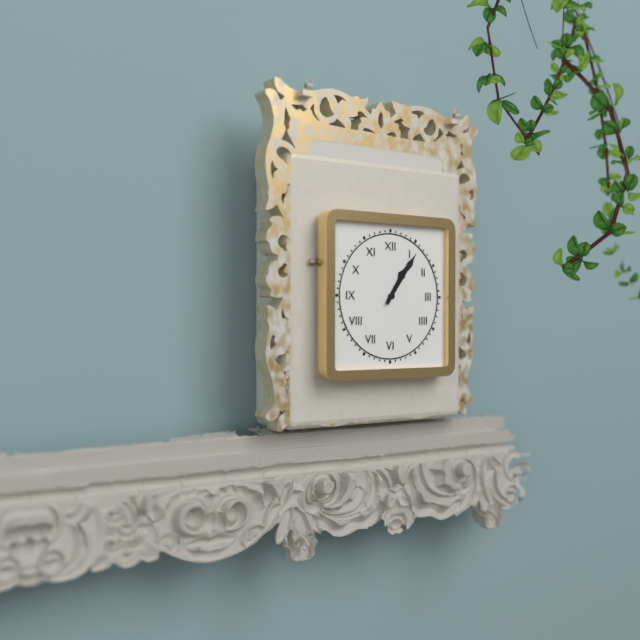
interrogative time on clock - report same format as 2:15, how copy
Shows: 1:06
